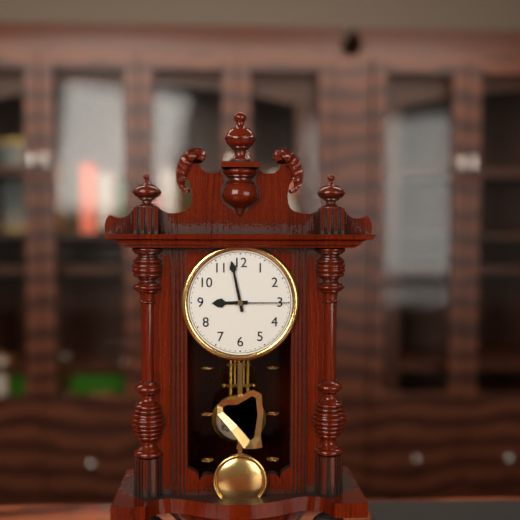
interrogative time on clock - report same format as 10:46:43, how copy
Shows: 8:58:15
